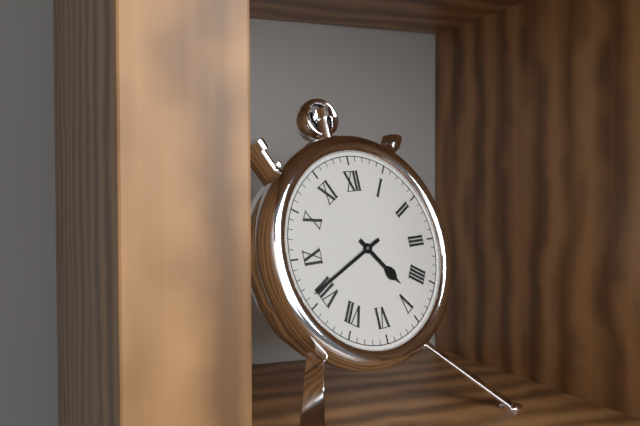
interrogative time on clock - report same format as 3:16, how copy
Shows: 4:41
